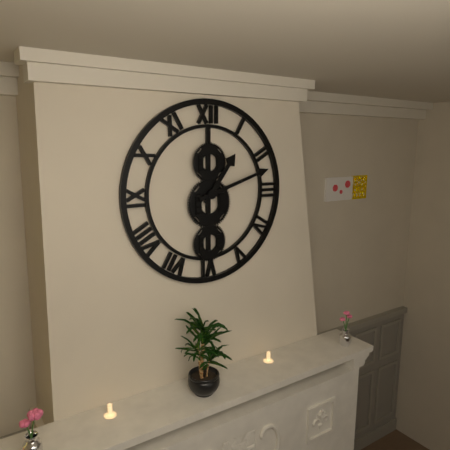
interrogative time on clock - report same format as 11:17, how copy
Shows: 1:12
